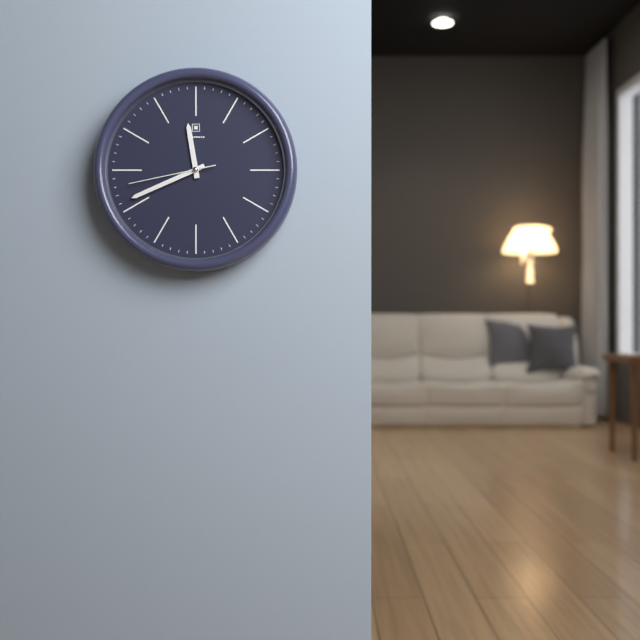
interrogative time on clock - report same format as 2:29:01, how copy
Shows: 11:41:43
